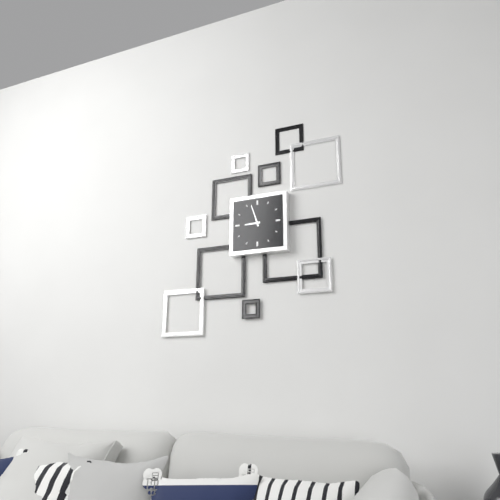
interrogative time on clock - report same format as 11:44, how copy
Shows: 8:57
